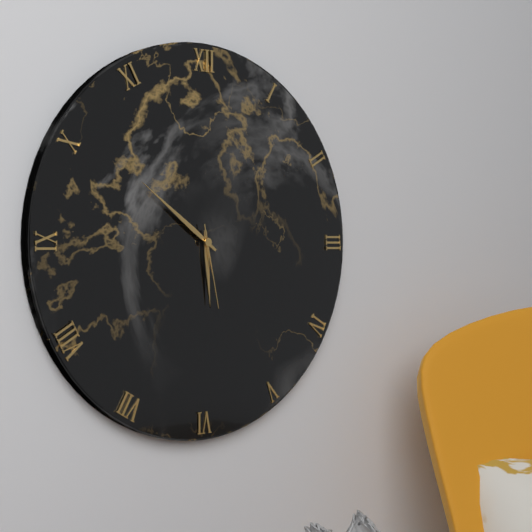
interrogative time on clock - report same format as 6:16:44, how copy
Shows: 5:51:28
